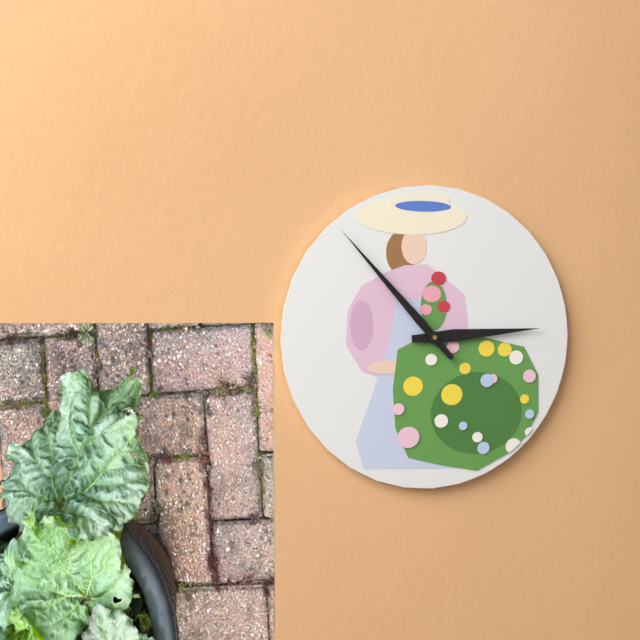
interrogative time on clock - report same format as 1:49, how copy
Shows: 2:53
